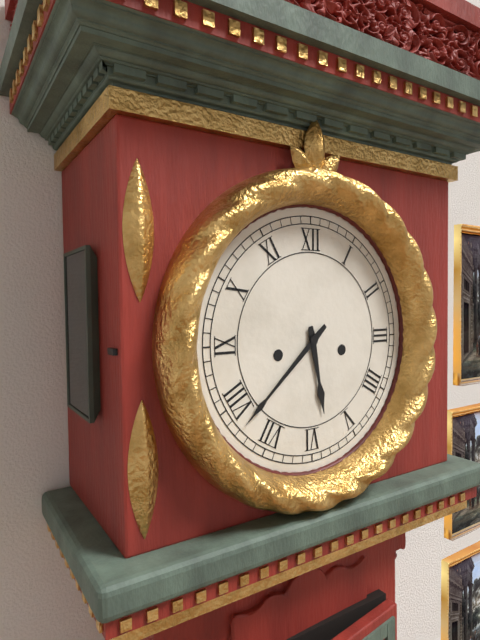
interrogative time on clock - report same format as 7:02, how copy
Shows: 5:38
